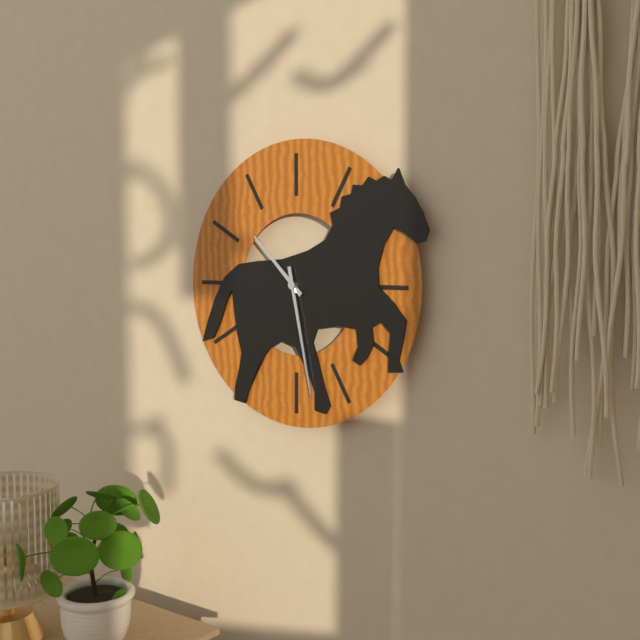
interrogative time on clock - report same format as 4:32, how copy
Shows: 10:28
